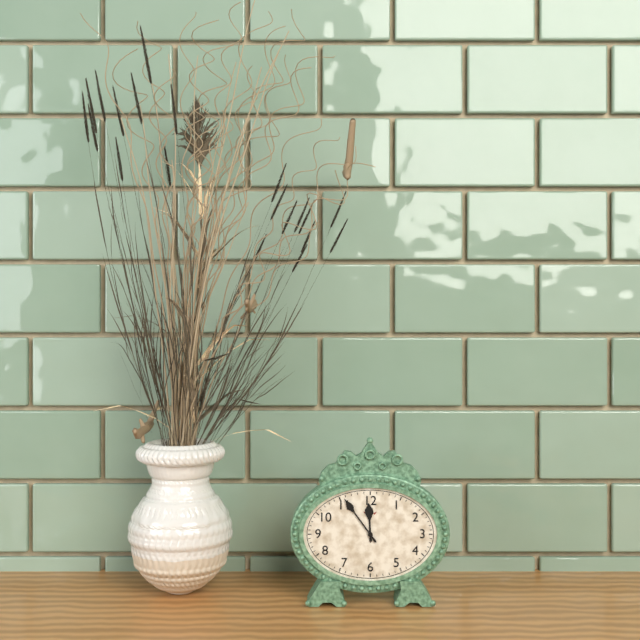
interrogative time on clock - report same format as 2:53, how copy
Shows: 11:54
